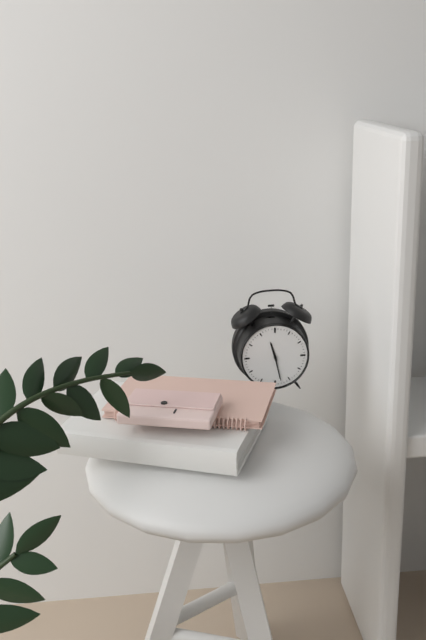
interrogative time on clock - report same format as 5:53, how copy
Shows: 11:28
